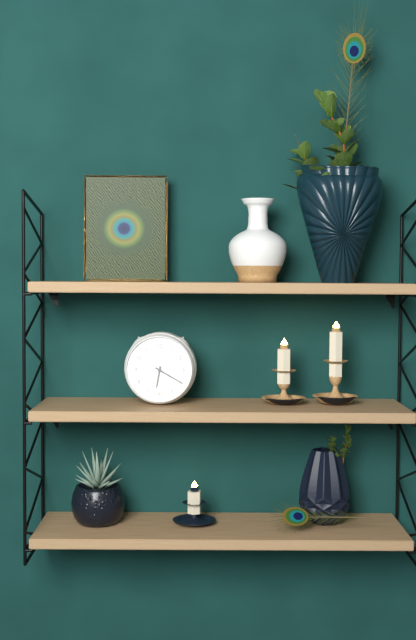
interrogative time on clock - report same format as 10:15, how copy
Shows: 6:20
